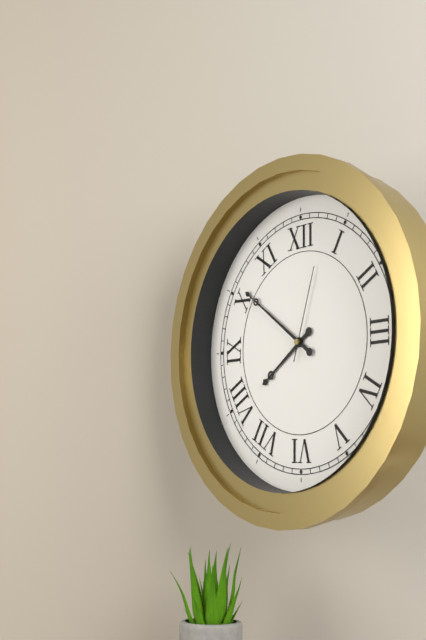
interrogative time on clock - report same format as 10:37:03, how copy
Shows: 7:51:03
